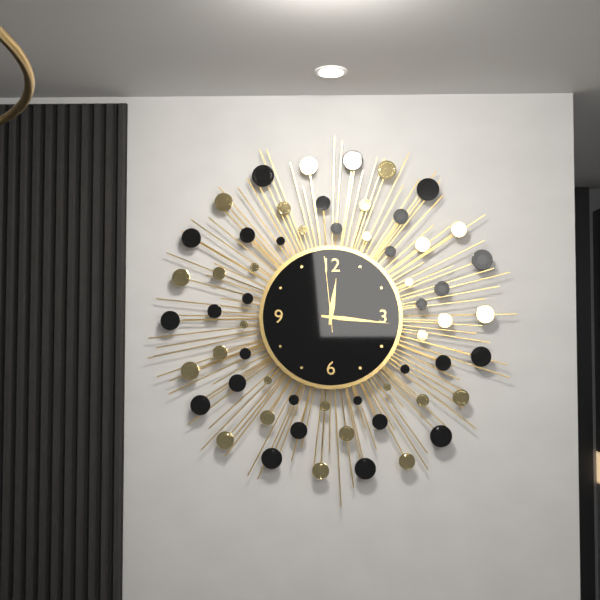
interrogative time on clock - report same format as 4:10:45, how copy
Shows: 12:16:59
